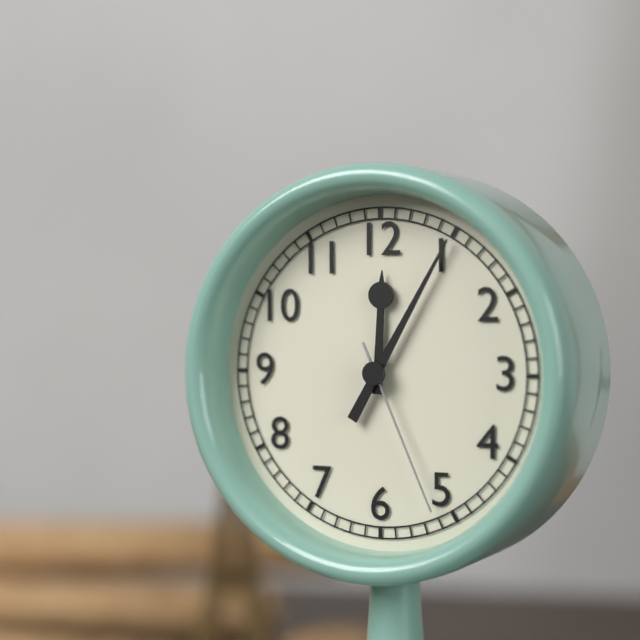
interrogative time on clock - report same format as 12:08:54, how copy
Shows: 12:05:26
